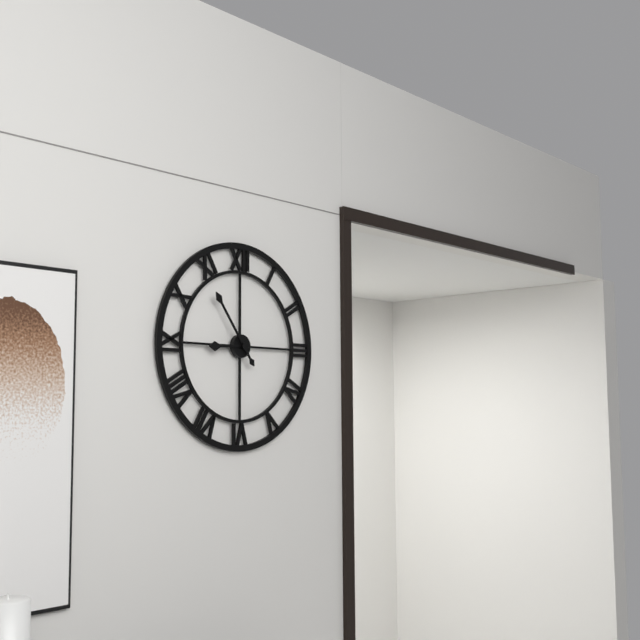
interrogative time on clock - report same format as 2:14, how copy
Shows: 8:54
